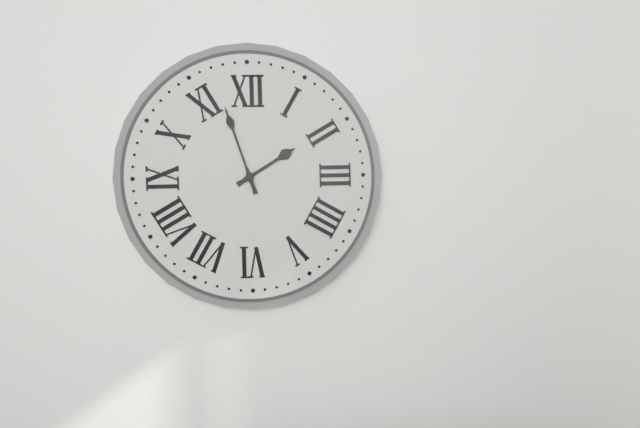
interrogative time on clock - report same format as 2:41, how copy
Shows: 1:57
